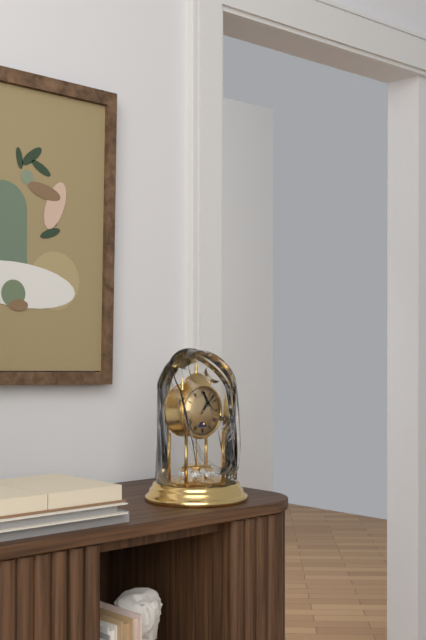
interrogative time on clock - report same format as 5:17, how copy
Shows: 1:07
